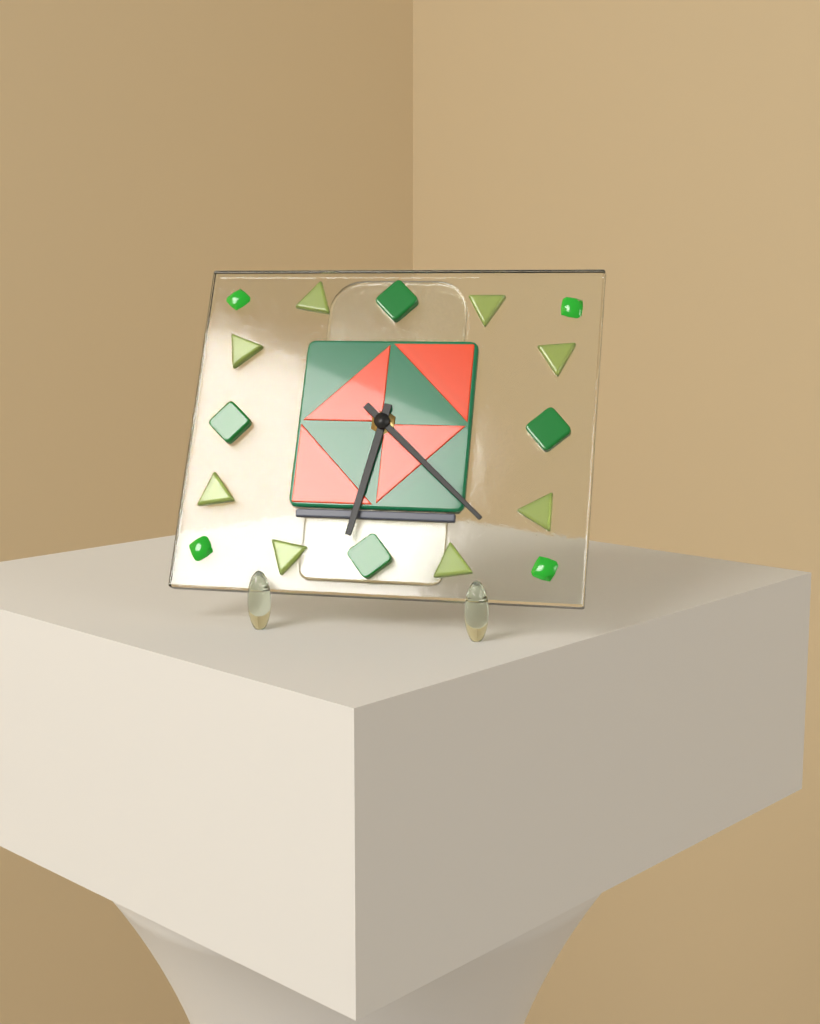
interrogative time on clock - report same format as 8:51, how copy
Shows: 6:22
